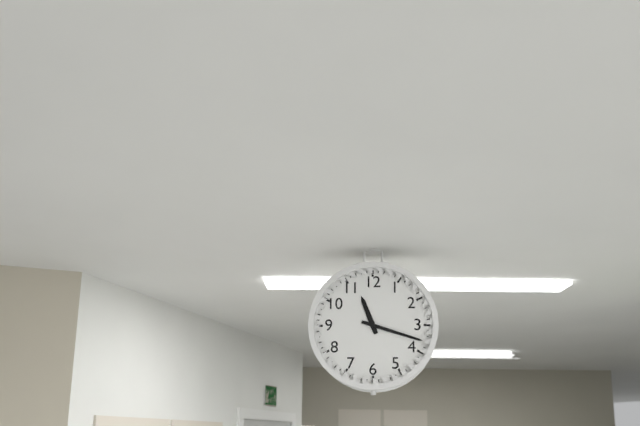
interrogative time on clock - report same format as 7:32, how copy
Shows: 11:18
